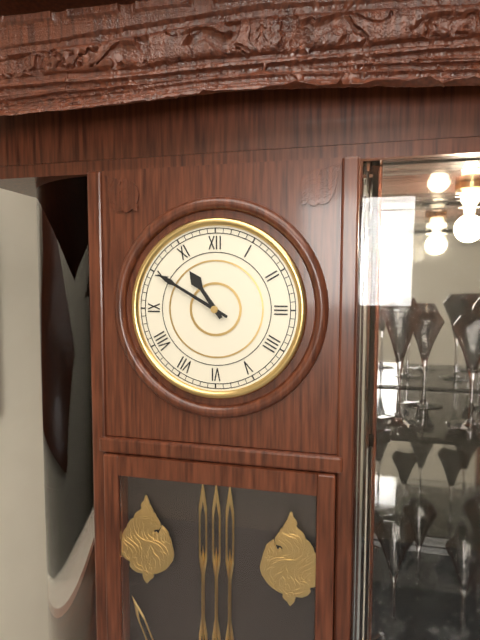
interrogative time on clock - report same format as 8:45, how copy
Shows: 10:50
